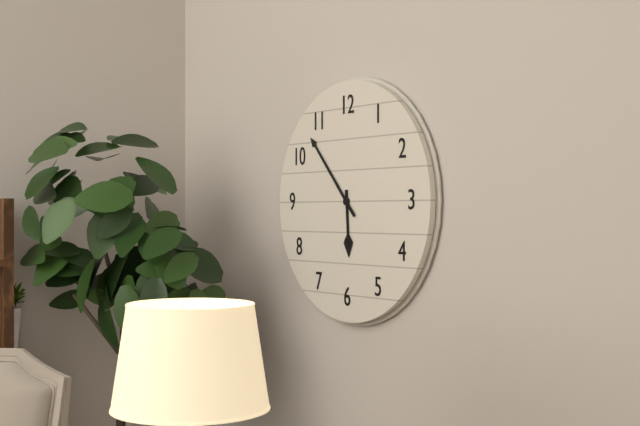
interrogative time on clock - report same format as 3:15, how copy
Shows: 5:53
